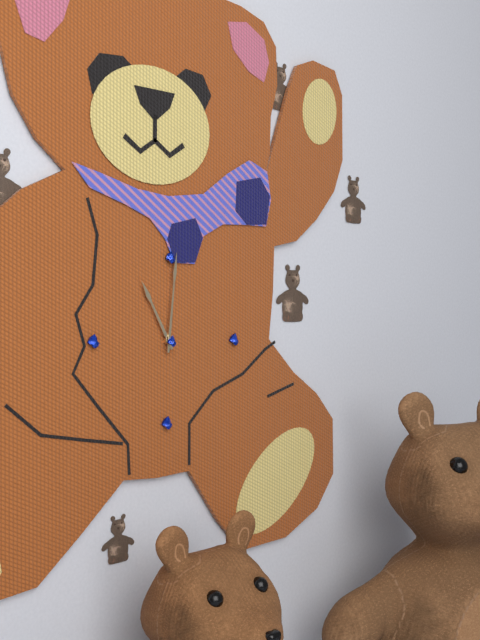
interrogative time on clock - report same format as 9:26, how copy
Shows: 11:01
